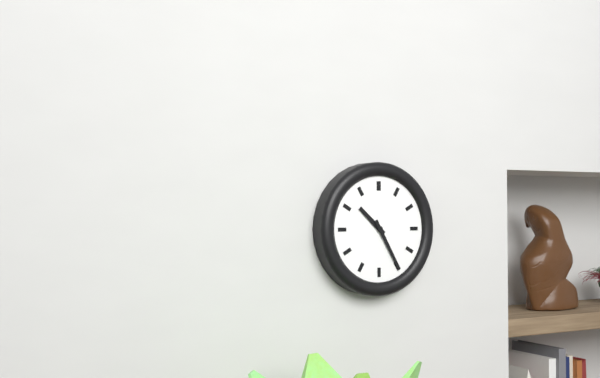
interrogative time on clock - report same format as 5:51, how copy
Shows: 10:25
